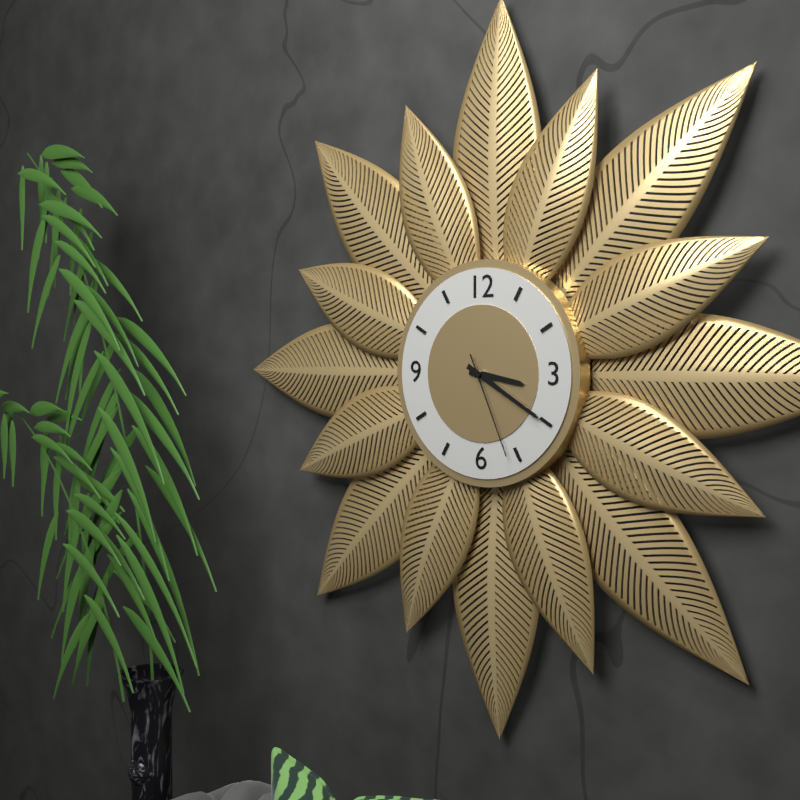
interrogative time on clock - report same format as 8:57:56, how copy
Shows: 3:20:26
